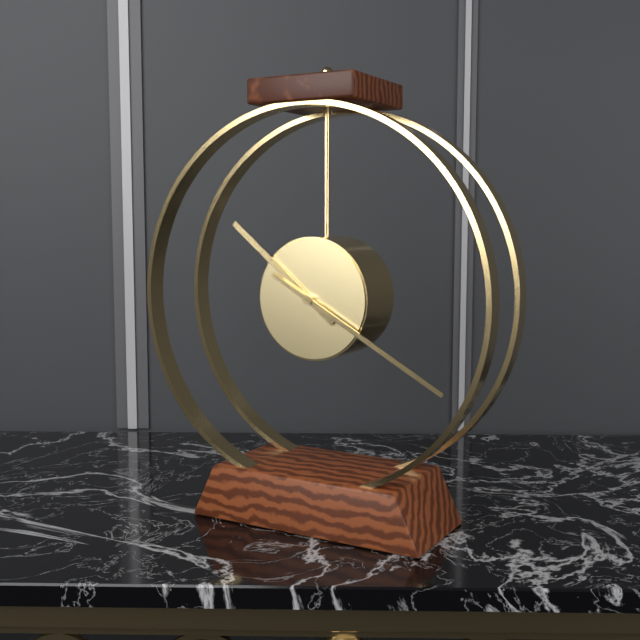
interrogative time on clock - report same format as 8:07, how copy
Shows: 10:20
